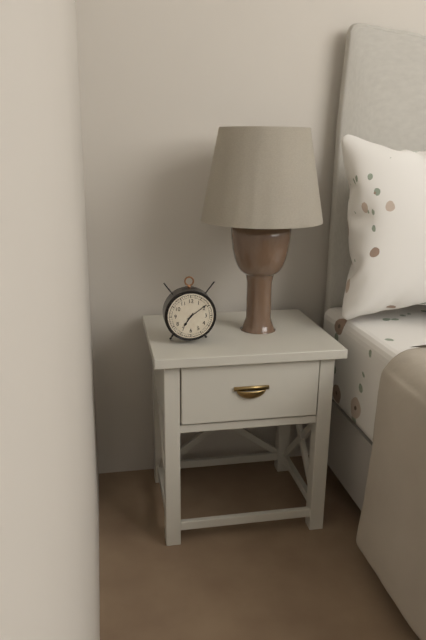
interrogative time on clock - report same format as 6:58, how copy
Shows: 7:09
